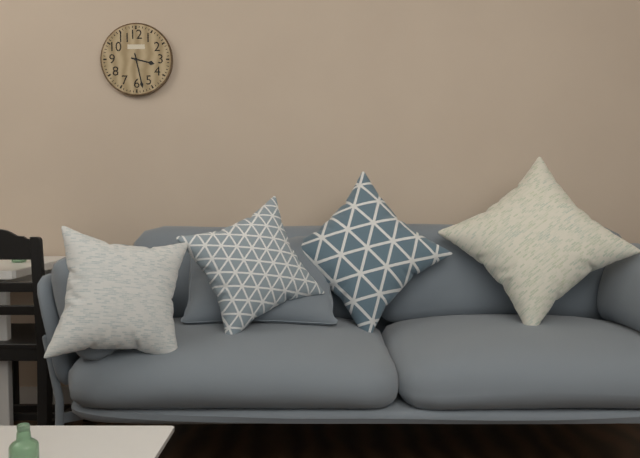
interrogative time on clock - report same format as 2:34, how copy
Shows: 3:28
